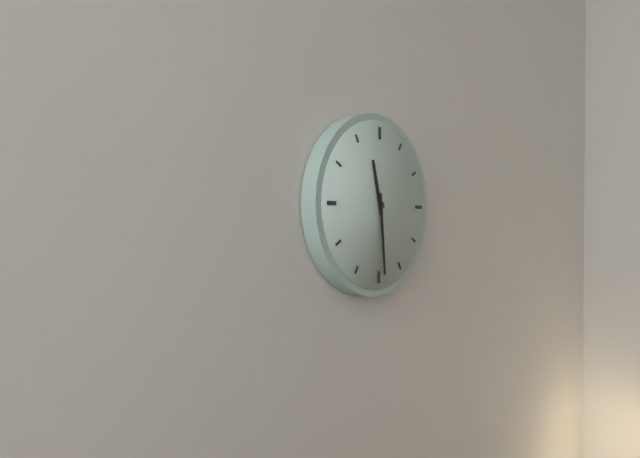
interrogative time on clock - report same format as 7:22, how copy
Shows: 11:29
